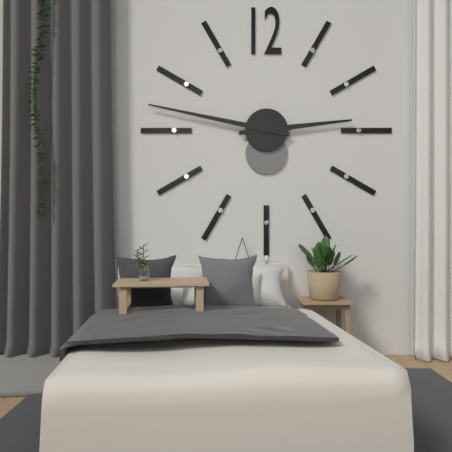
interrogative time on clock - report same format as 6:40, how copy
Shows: 2:47
